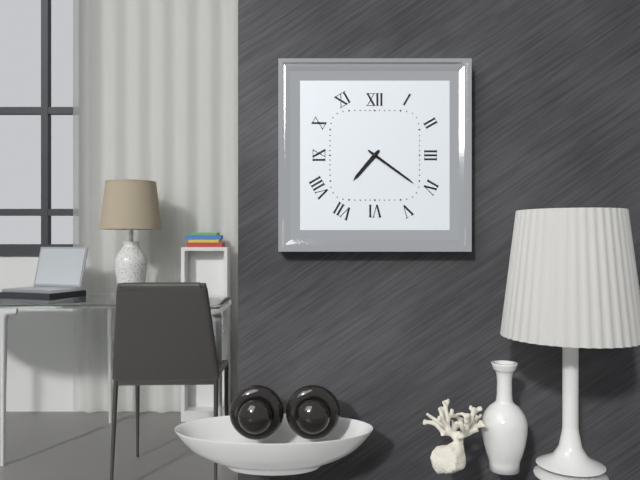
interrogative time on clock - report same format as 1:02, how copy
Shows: 7:21
